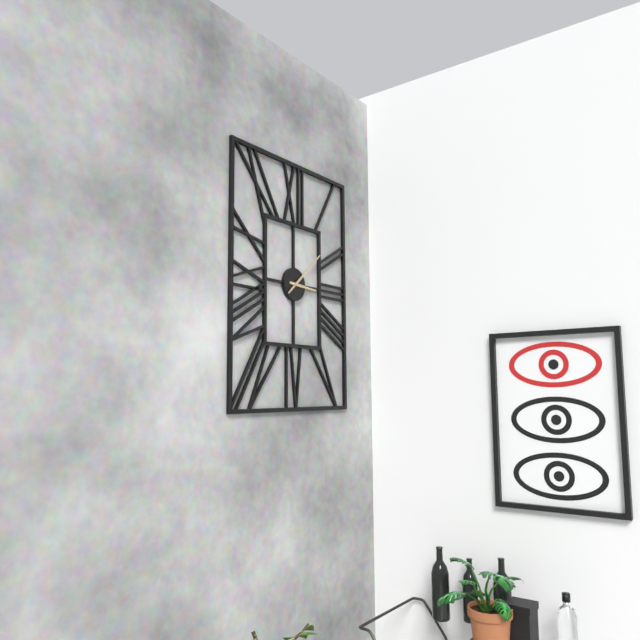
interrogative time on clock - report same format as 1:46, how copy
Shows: 3:08
